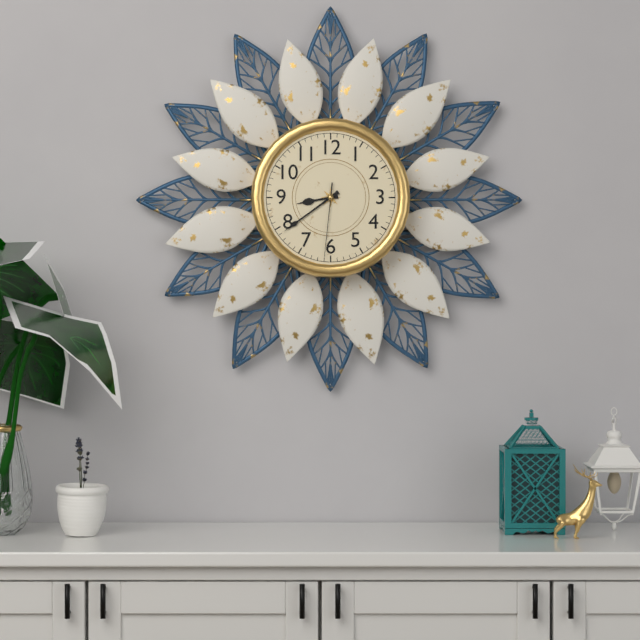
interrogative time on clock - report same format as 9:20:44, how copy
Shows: 8:39:31
